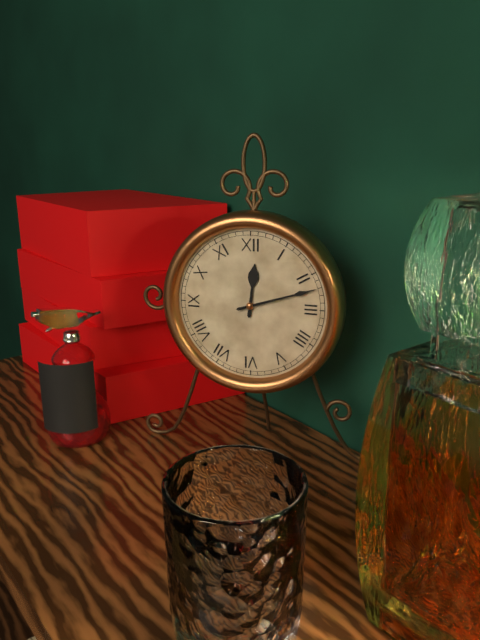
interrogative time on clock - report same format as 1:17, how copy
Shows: 12:12
